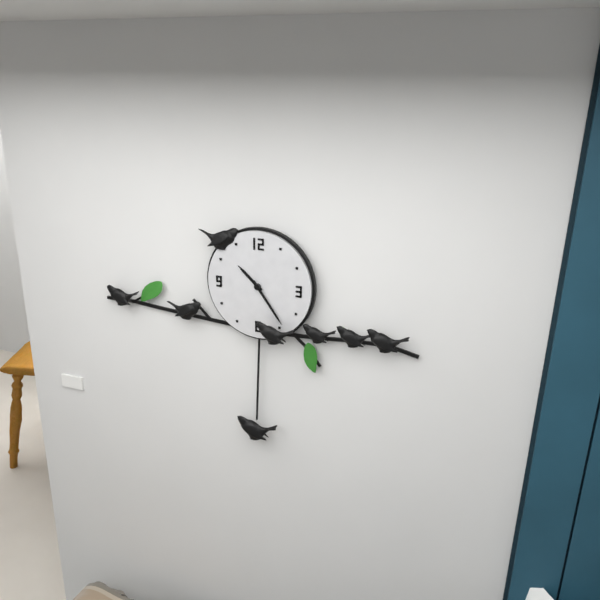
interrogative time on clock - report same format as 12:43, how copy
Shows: 10:24
